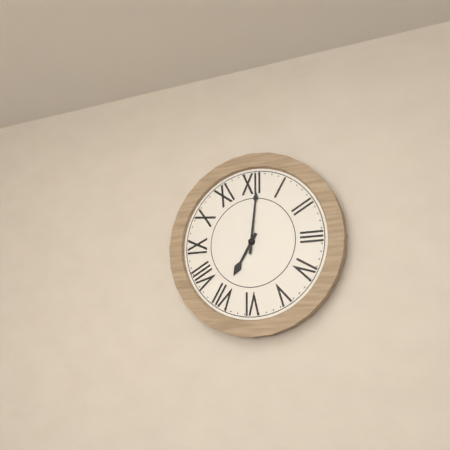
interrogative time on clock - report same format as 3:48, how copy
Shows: 7:01
